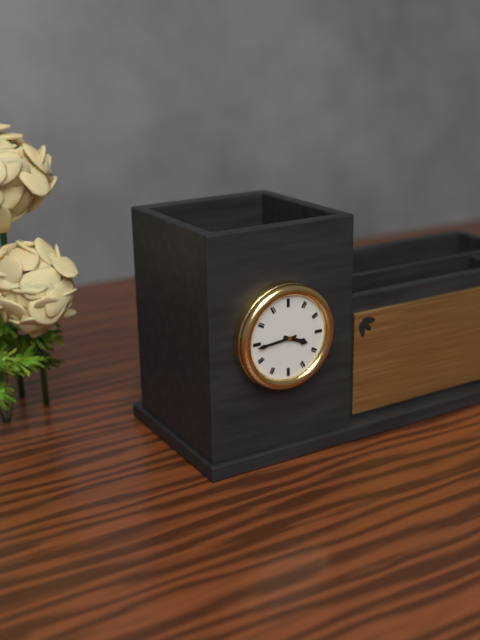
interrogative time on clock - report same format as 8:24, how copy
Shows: 3:44
